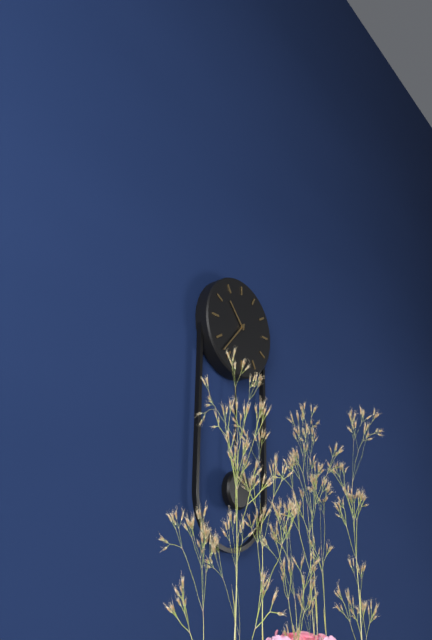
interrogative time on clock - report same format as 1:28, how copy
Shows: 10:37
